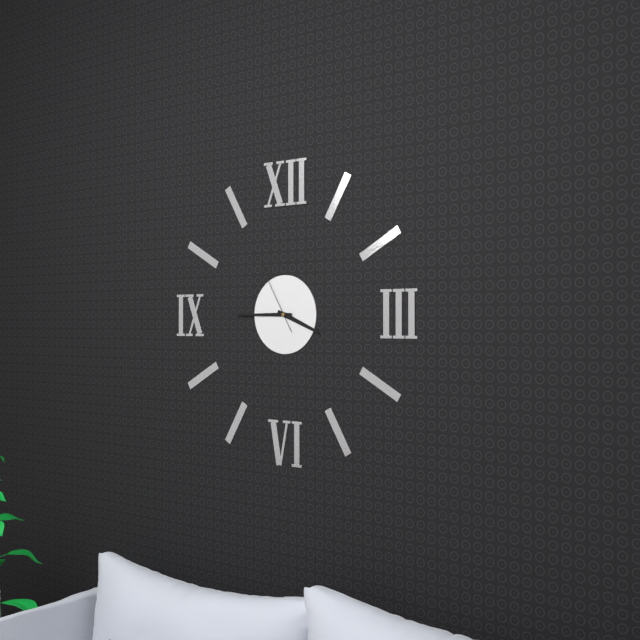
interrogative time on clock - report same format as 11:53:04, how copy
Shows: 3:45:55
